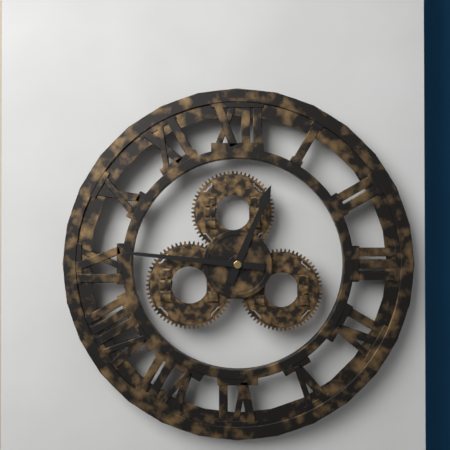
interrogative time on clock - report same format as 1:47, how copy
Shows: 12:46
